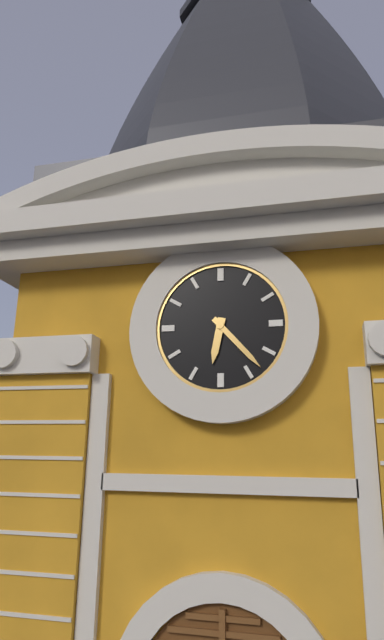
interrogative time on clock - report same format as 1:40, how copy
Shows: 6:23
